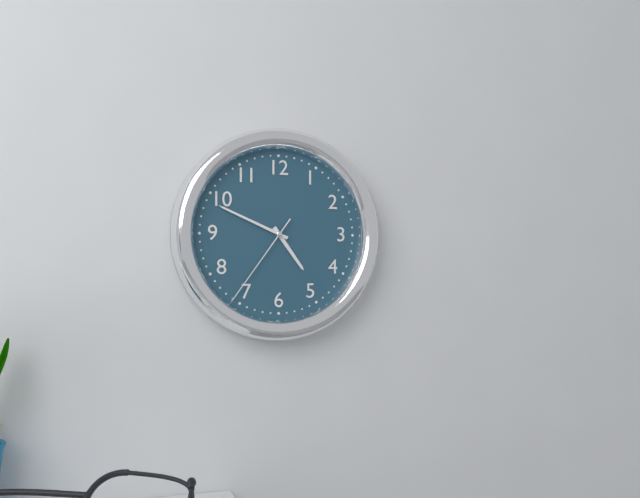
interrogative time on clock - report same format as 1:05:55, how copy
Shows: 4:49:36
